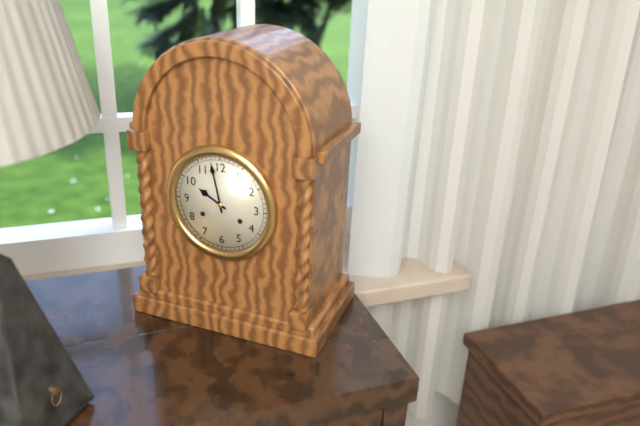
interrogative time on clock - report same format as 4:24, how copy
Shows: 9:58
